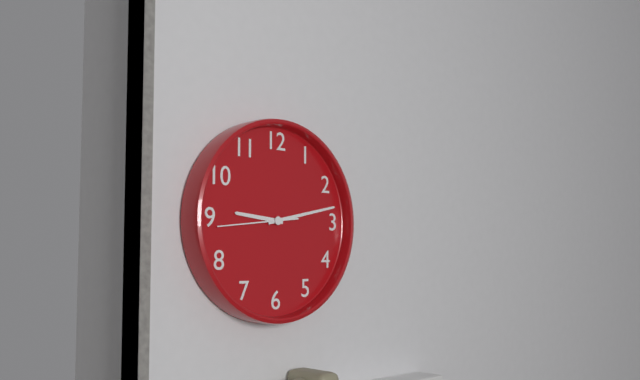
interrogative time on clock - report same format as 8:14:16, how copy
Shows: 9:13:44
